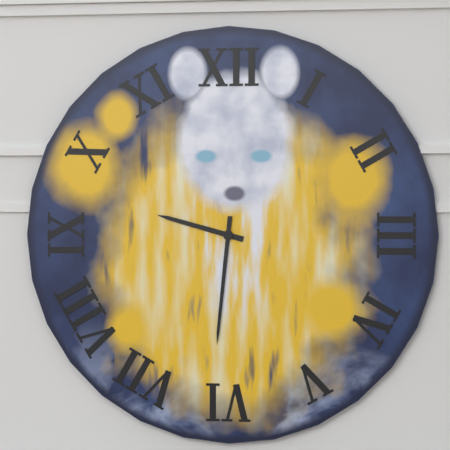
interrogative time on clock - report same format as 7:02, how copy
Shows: 9:31
